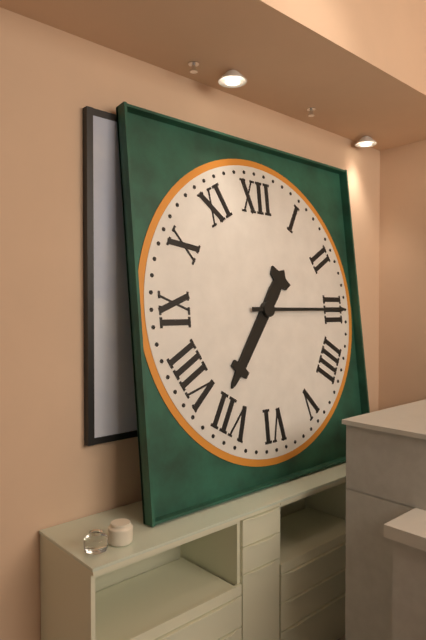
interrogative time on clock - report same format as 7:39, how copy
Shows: 7:15
